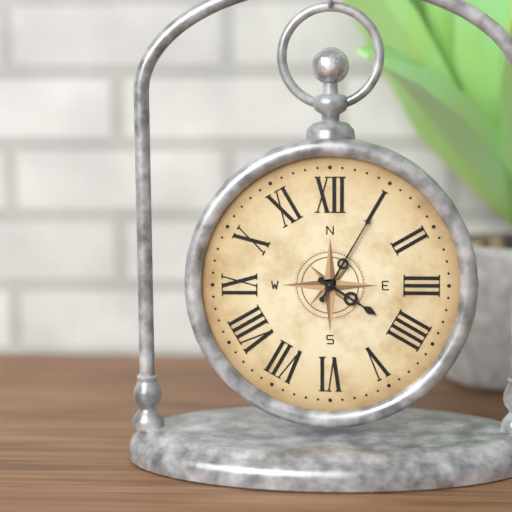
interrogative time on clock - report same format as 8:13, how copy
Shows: 4:05
